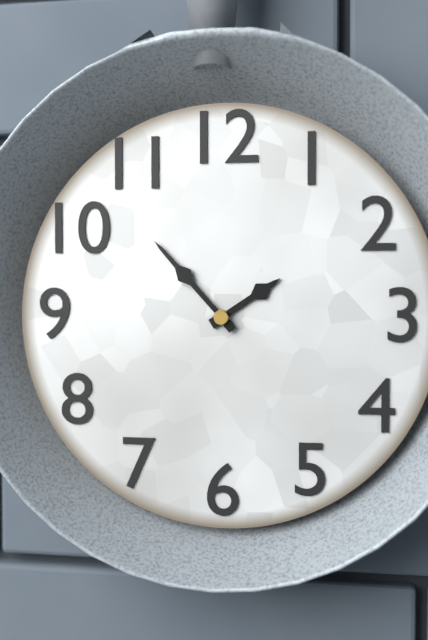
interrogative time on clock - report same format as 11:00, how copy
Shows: 1:53
